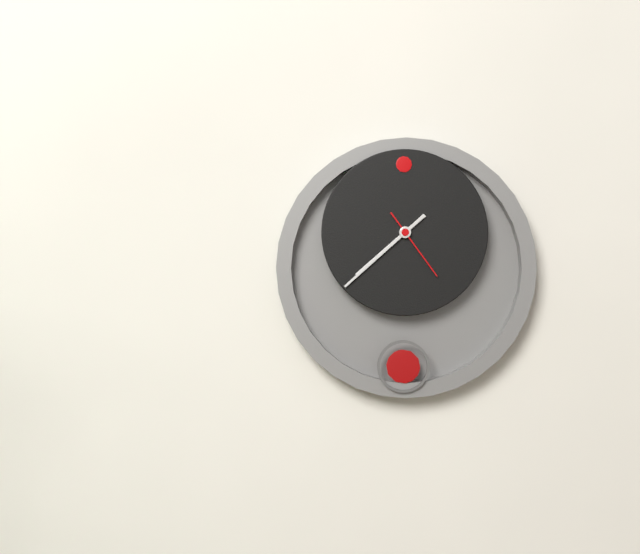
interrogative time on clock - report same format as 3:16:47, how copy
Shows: 7:38:24
